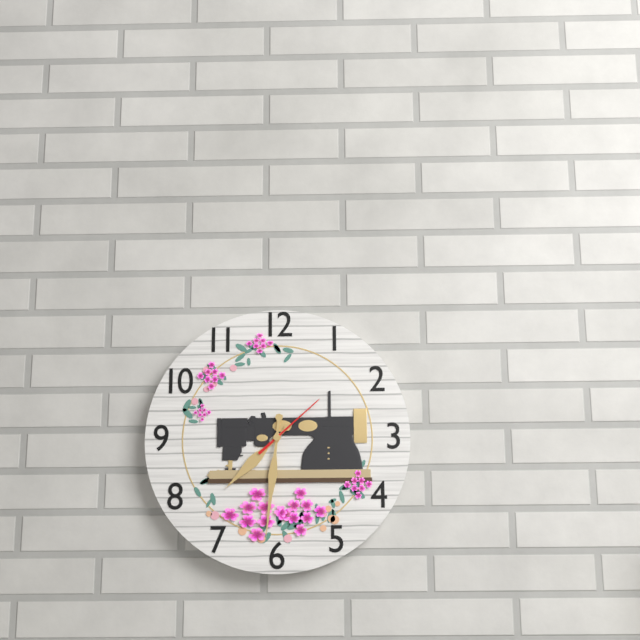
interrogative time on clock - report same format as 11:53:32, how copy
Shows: 7:31:08
